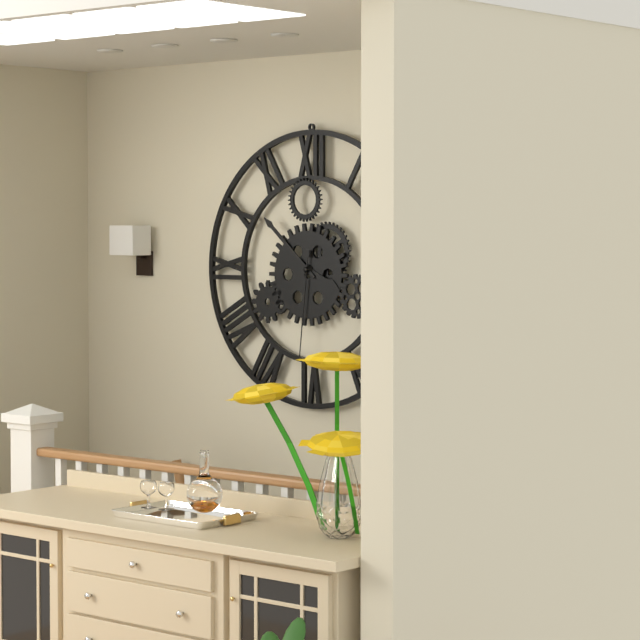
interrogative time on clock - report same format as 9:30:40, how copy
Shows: 3:52:31
